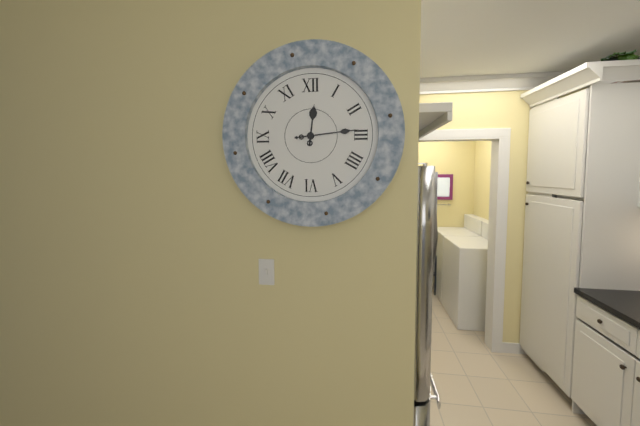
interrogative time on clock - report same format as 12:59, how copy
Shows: 12:14
